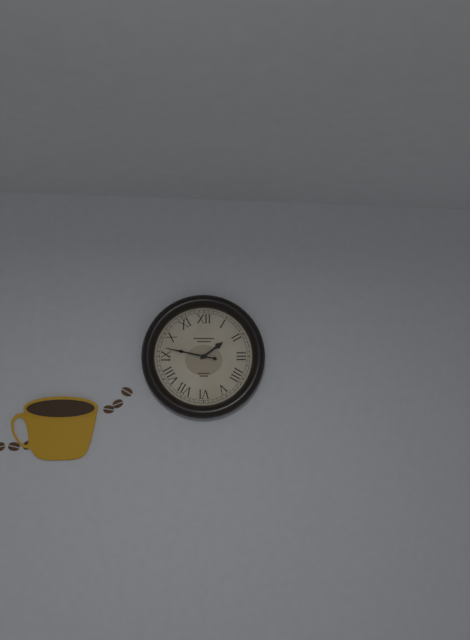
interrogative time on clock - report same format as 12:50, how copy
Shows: 1:47
